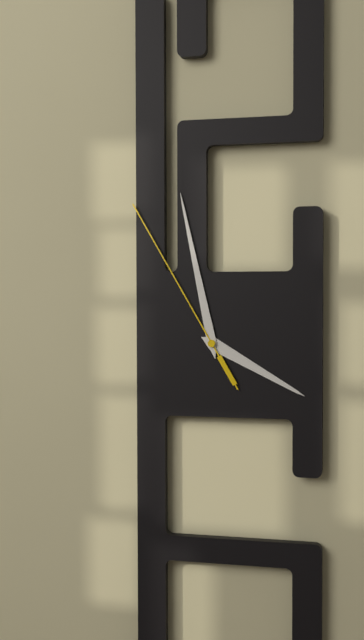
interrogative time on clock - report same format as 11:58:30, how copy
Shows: 3:58:55
